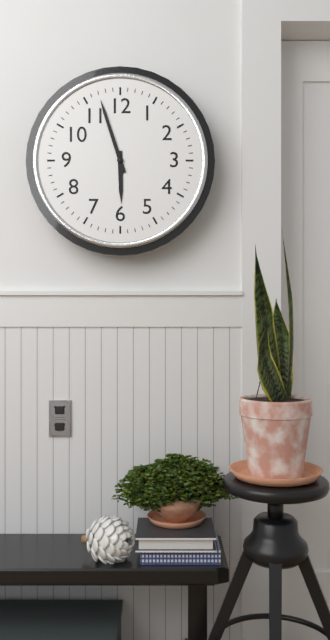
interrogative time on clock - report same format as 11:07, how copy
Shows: 5:57
